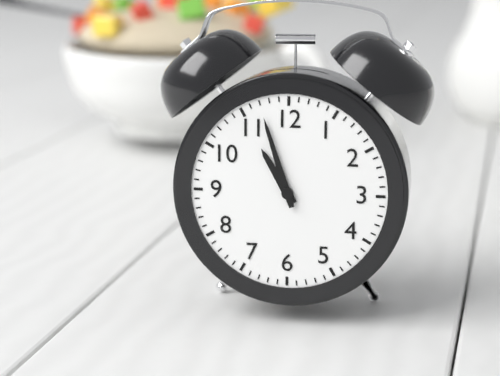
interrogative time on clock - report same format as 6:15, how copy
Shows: 10:57
